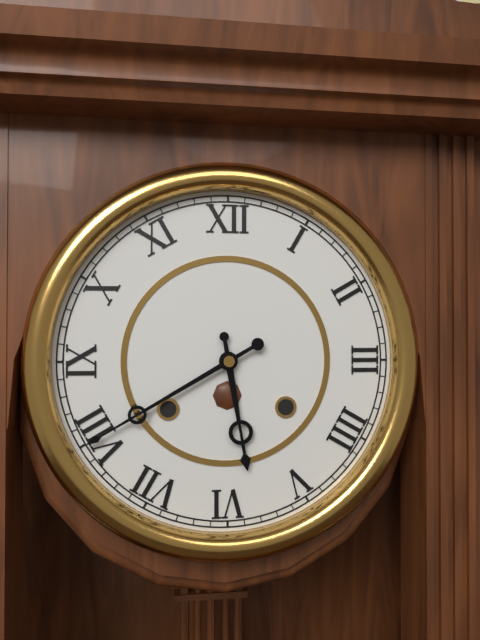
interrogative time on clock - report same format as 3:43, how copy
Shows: 5:40
